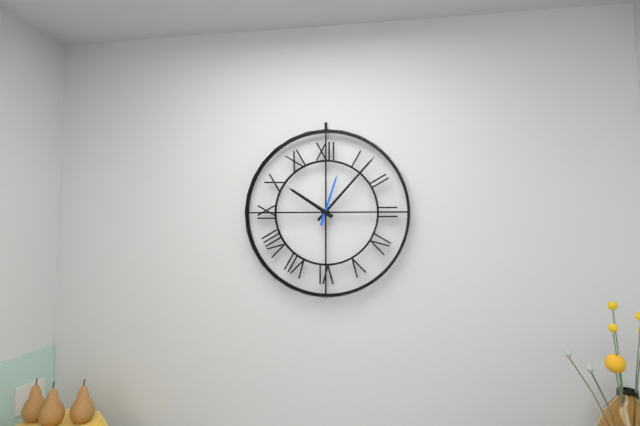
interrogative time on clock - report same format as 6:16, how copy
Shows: 10:07
